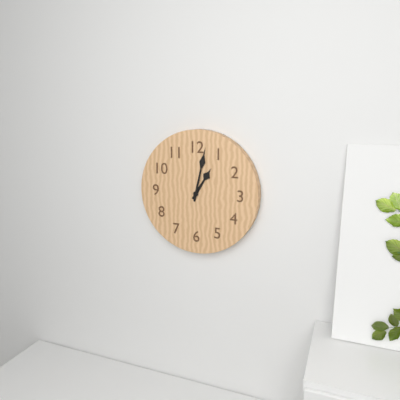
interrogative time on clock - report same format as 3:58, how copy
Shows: 1:02
